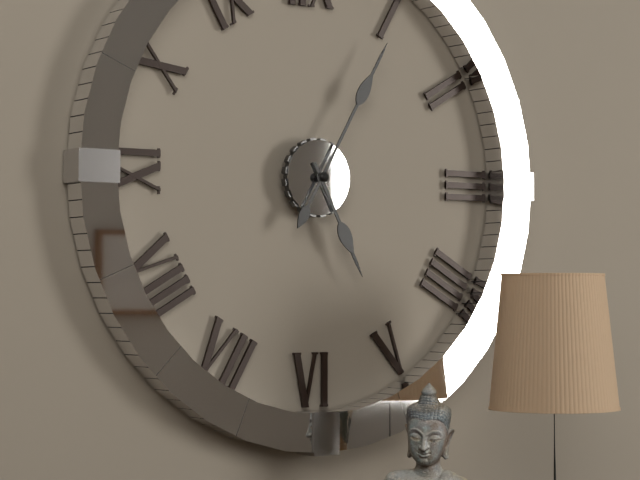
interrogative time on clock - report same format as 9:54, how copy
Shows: 5:05
